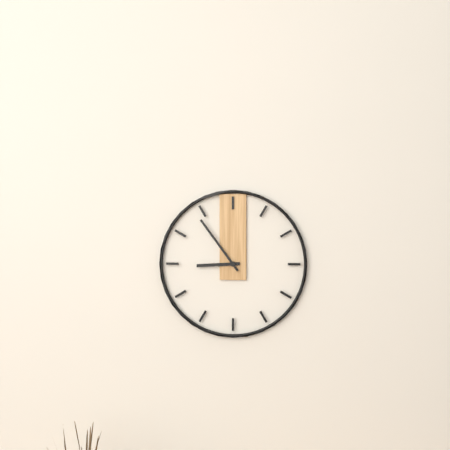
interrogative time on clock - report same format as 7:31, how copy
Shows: 8:54
